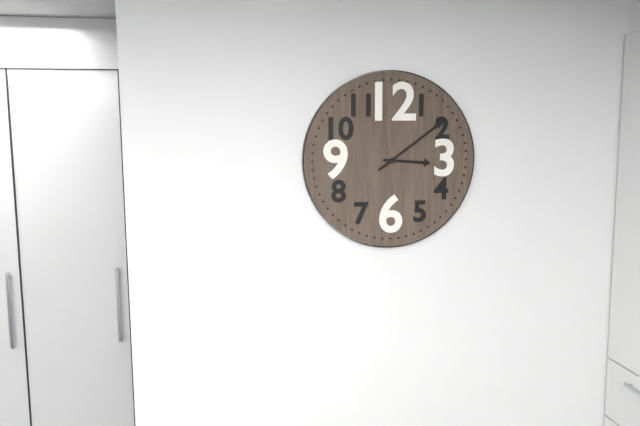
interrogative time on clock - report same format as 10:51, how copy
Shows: 3:09
